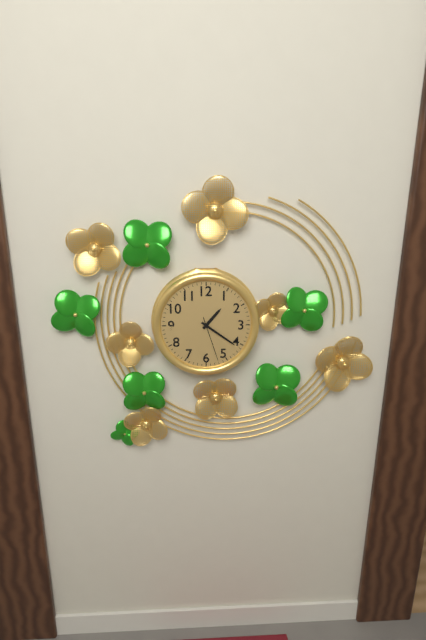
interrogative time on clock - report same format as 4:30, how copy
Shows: 1:21
